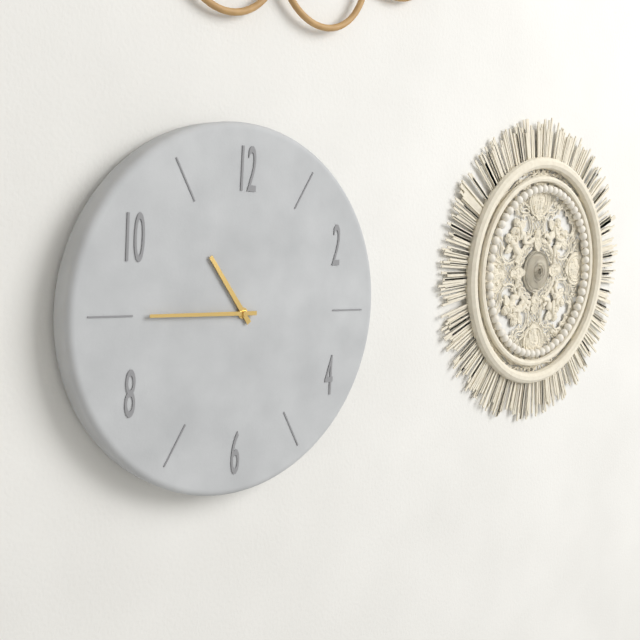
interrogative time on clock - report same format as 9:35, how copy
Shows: 10:45
